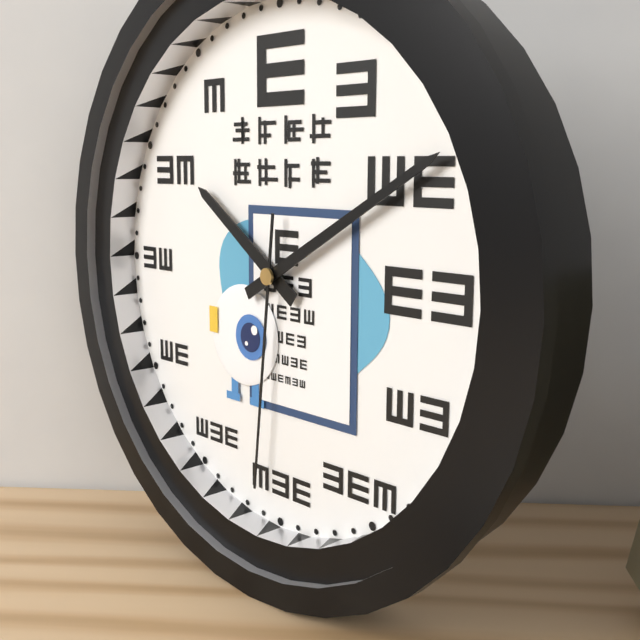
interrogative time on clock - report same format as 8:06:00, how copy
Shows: 10:10:31
